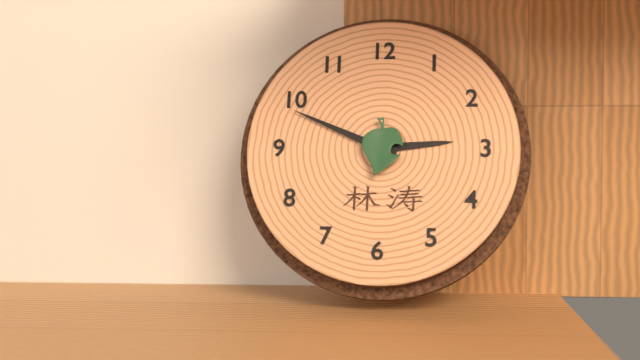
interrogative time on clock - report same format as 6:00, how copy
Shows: 2:49
